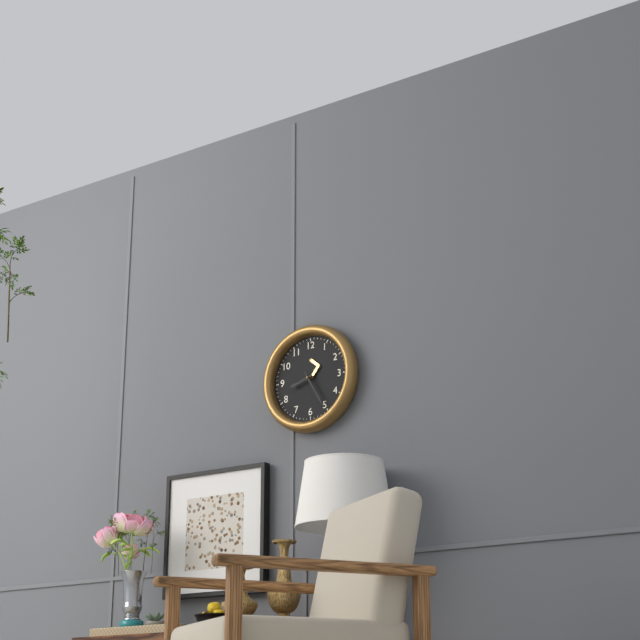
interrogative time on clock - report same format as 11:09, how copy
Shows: 8:25
